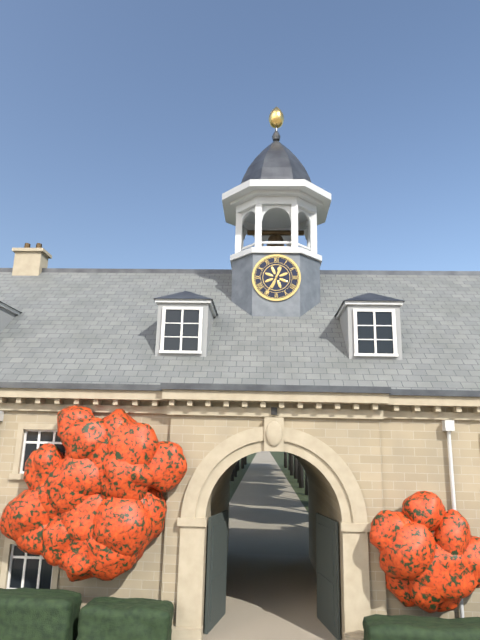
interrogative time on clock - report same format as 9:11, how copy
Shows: 12:35
